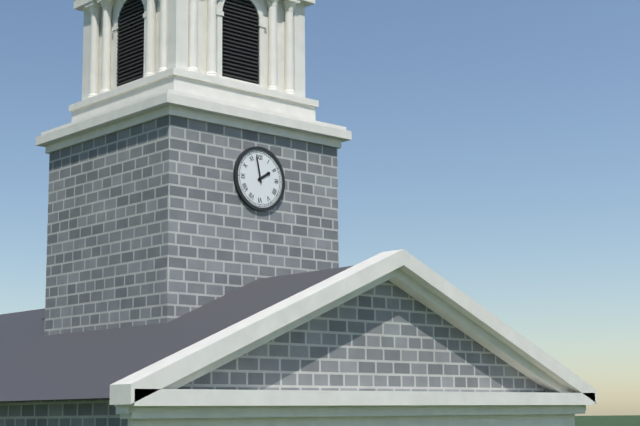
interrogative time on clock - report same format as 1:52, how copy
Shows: 1:58
